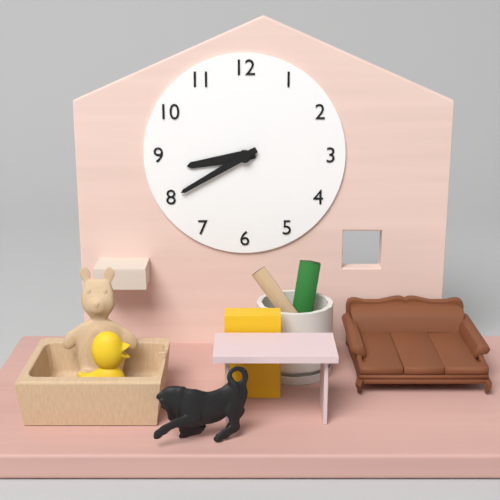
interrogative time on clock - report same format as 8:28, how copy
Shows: 8:40
